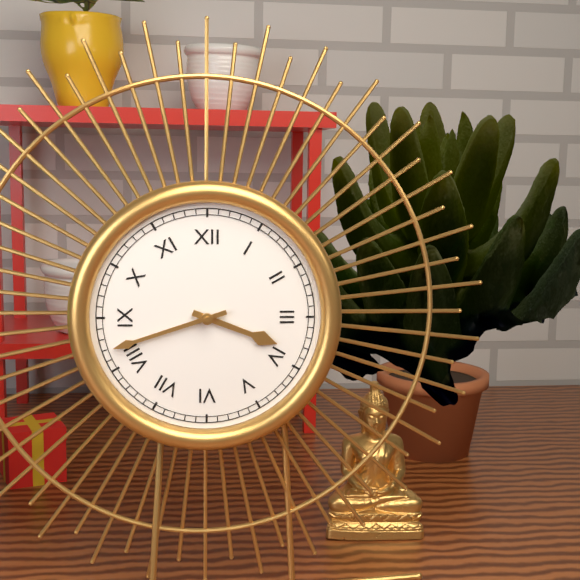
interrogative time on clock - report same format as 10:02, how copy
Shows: 3:42
